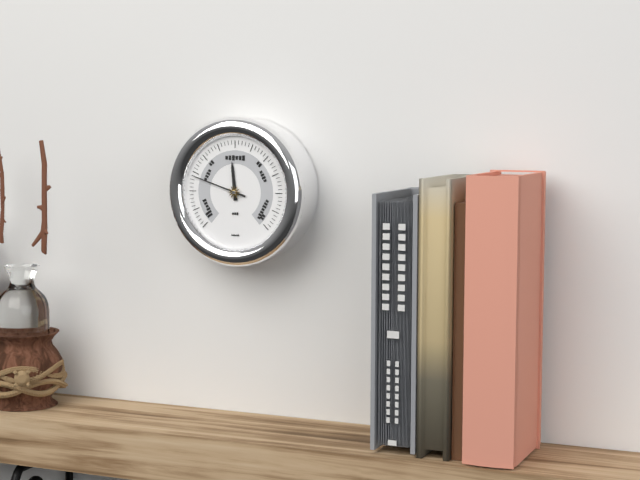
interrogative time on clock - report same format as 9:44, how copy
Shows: 11:48
